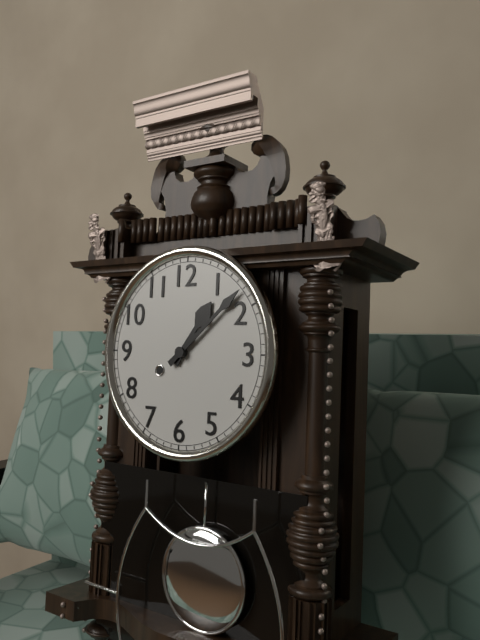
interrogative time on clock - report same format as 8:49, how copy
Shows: 1:08
